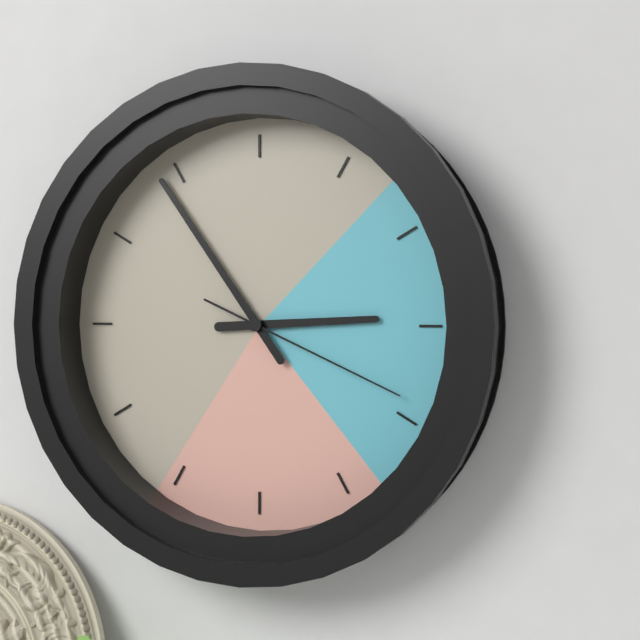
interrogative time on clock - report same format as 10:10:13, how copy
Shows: 2:54:19
